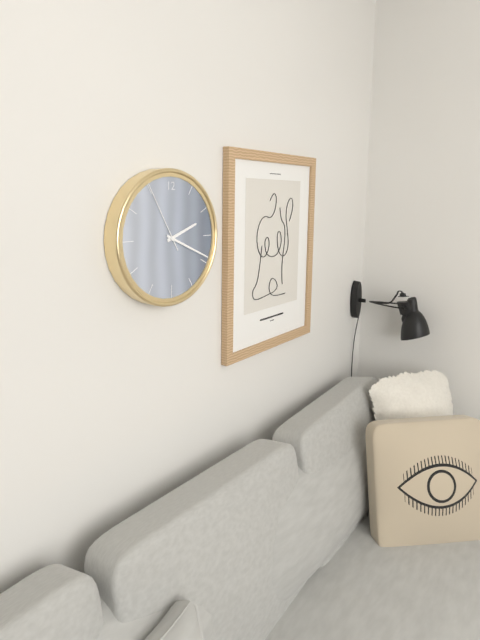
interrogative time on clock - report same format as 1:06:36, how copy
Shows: 2:19:55
